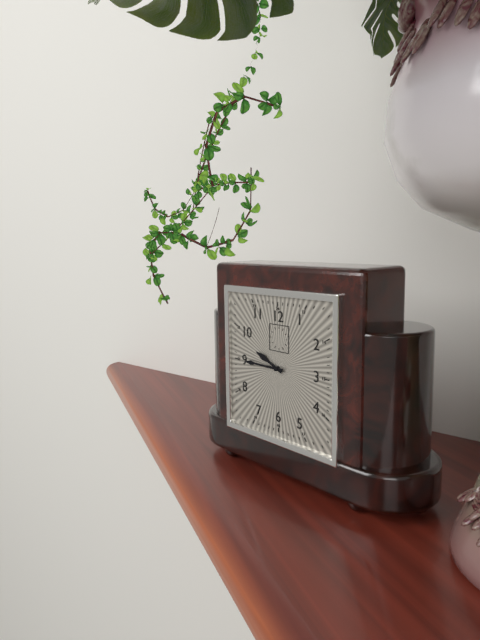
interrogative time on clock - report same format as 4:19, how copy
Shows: 9:45
